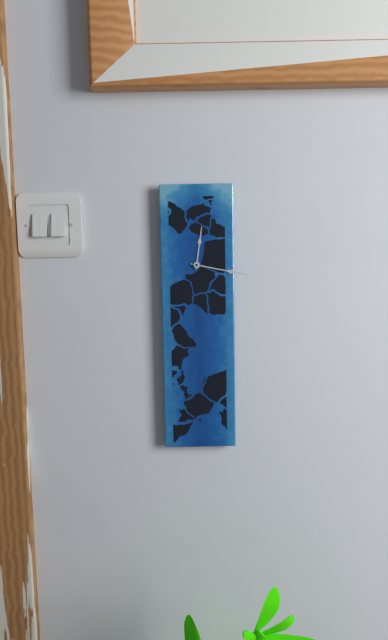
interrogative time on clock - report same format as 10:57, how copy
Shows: 12:17
